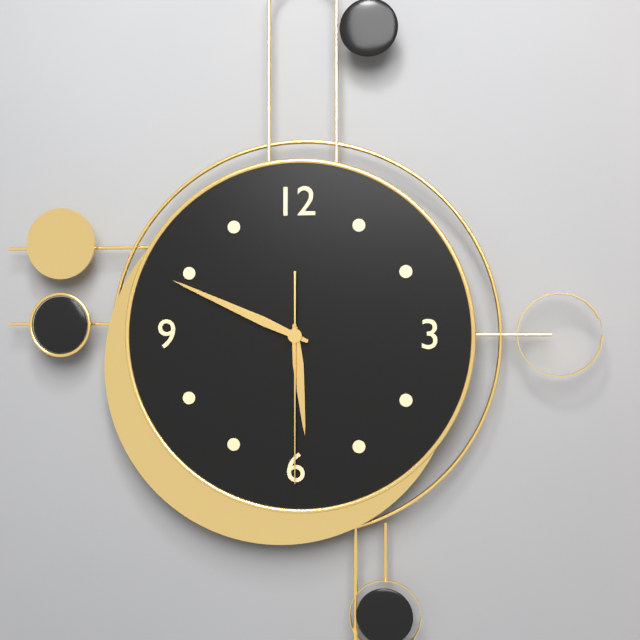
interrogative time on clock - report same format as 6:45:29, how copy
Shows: 5:49:30
